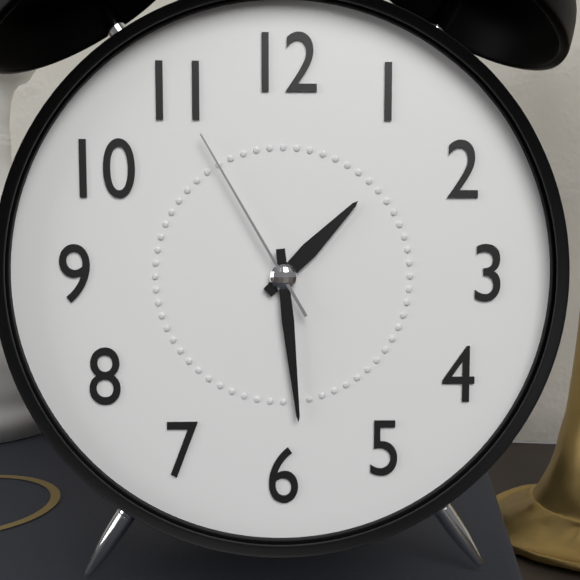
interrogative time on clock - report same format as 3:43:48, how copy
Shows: 1:29:55
